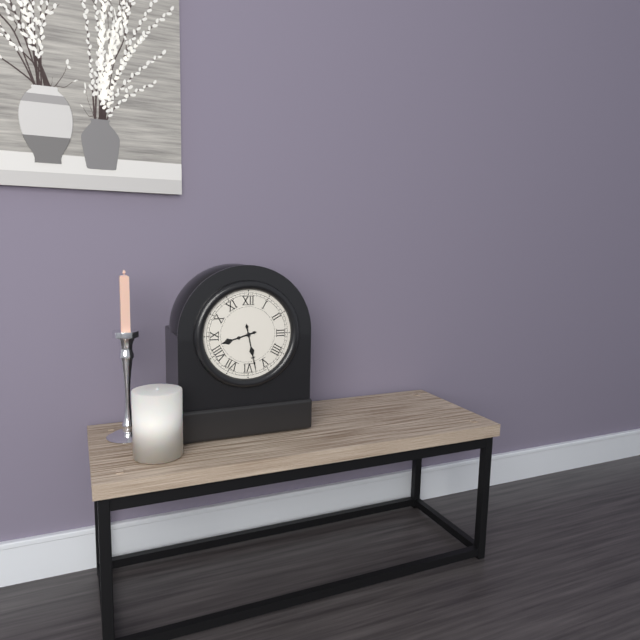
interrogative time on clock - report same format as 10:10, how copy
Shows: 8:28
